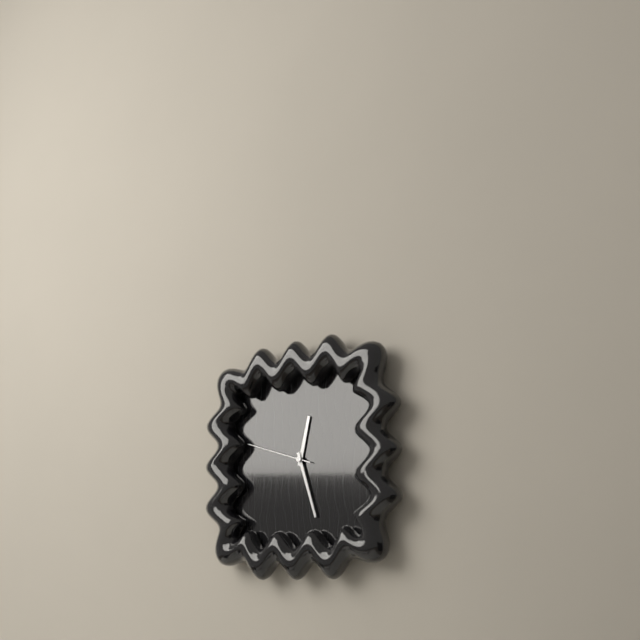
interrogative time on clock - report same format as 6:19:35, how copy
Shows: 12:27:48
